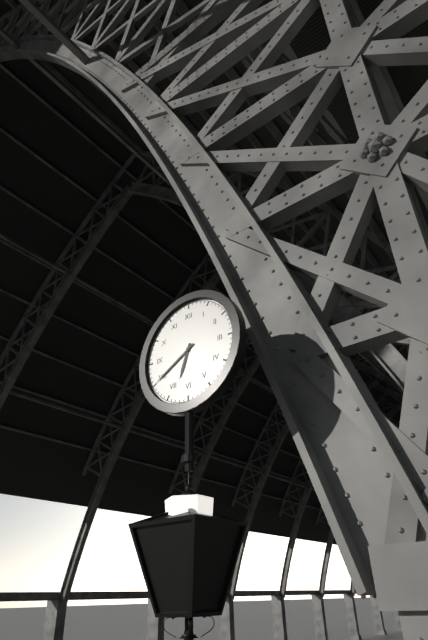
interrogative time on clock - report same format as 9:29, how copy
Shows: 6:40
